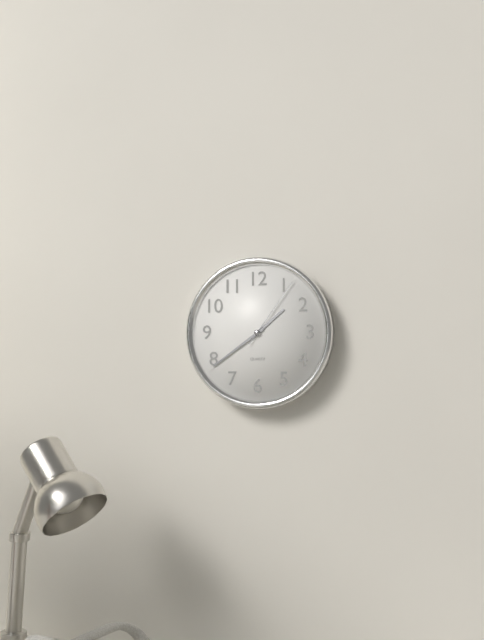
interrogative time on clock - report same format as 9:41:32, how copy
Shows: 1:39:06
